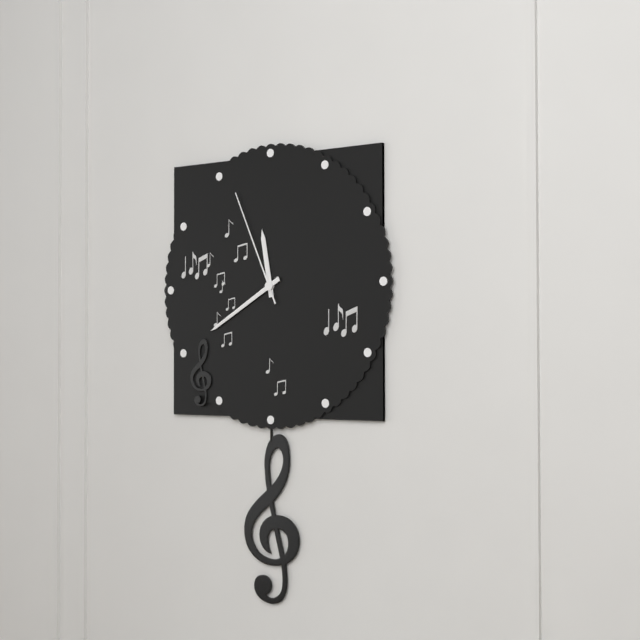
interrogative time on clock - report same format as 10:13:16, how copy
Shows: 11:40:56
